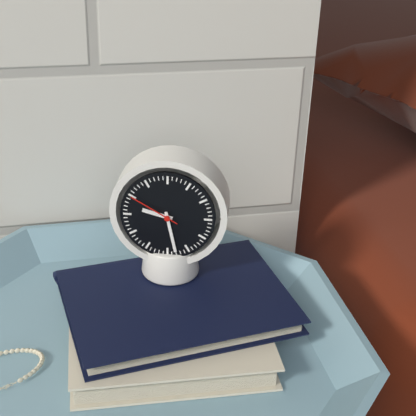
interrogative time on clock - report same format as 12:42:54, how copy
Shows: 9:28:50
